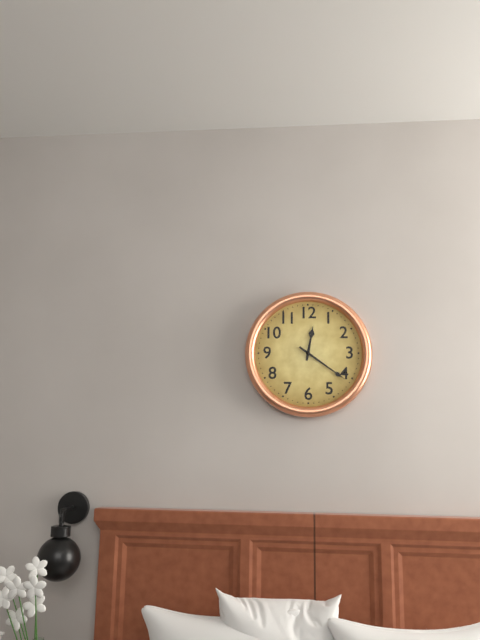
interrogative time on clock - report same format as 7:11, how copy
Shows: 12:21
